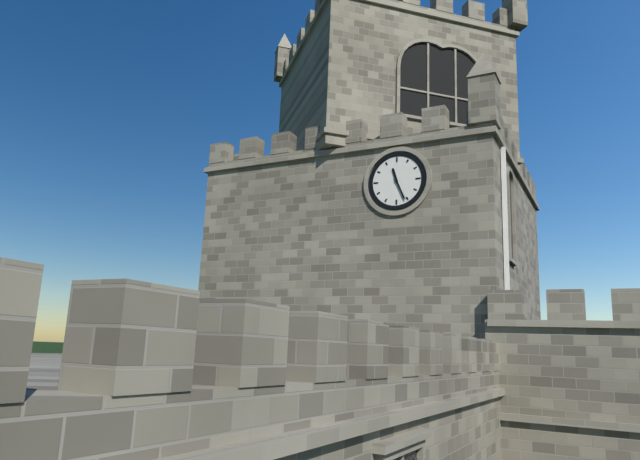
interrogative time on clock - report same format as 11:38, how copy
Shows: 11:26
